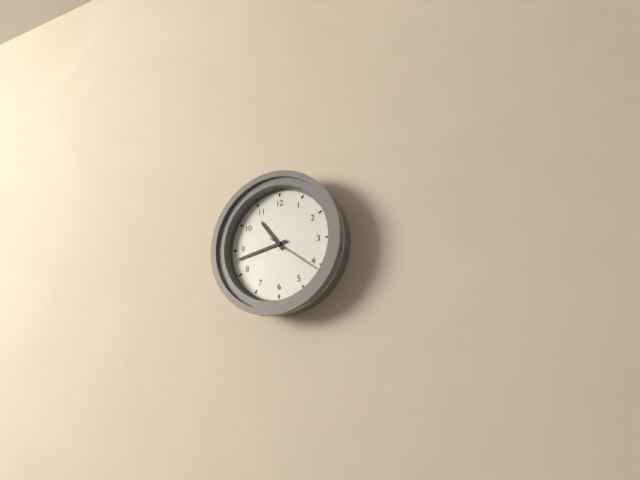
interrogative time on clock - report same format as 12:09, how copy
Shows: 10:43
